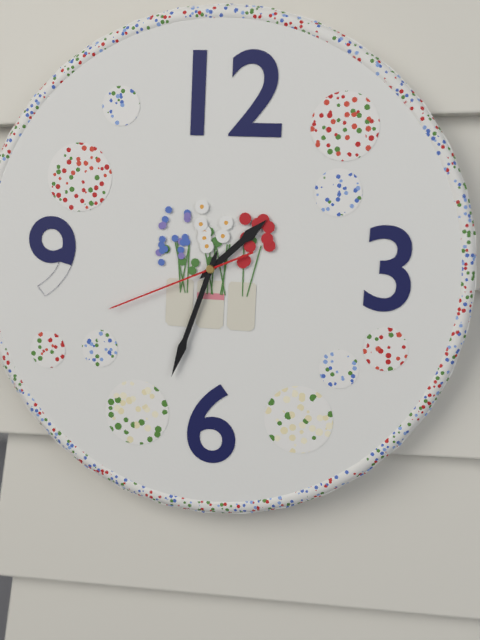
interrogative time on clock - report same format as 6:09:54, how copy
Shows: 1:33:41
